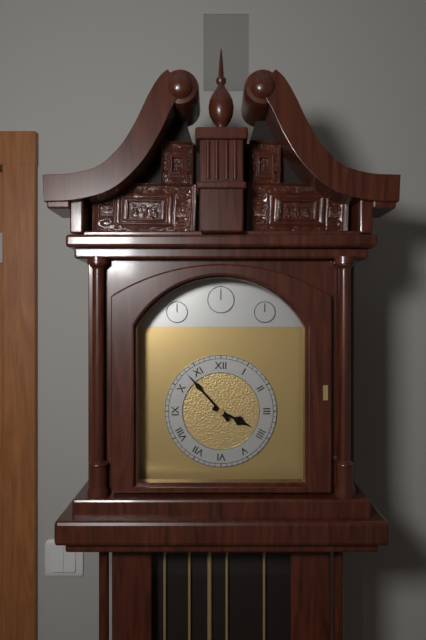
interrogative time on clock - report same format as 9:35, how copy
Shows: 3:53
